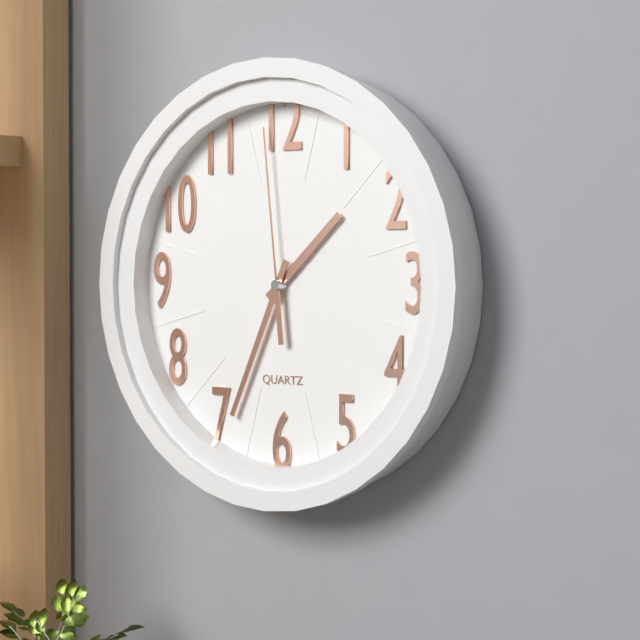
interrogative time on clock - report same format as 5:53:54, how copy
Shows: 1:34:59
